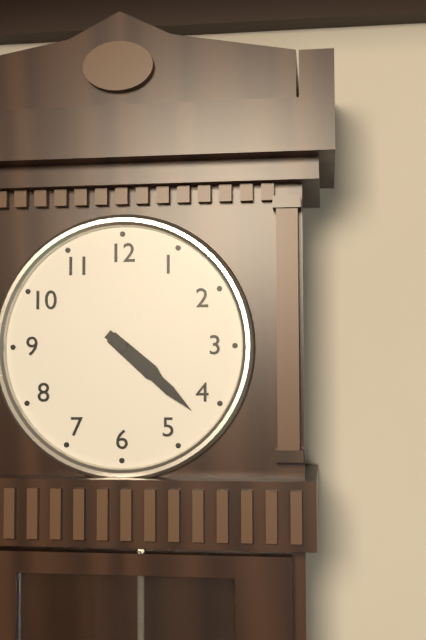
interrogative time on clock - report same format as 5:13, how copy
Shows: 4:22
